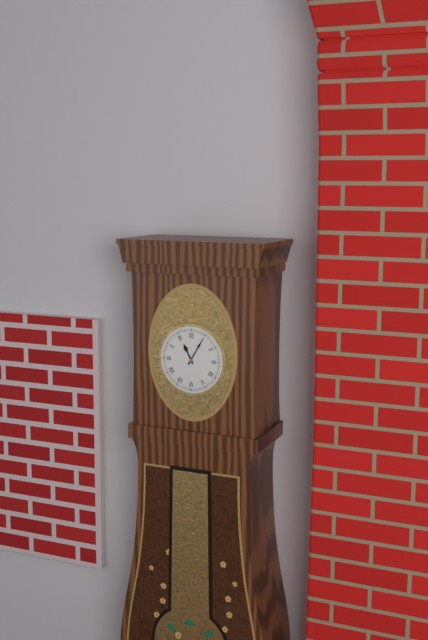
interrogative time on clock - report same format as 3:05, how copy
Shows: 11:05
